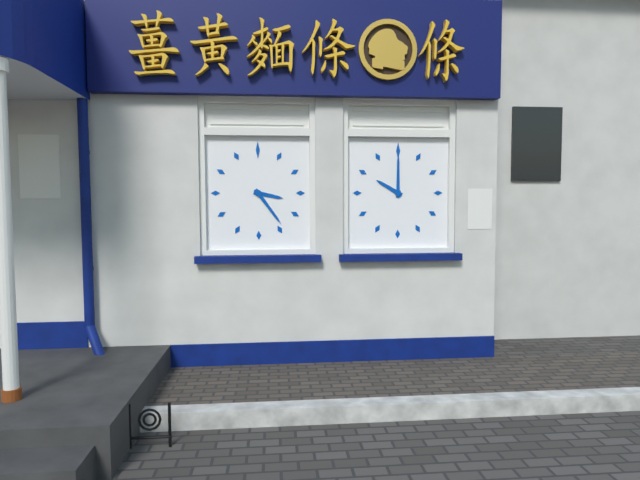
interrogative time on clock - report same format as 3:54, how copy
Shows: 3:24
